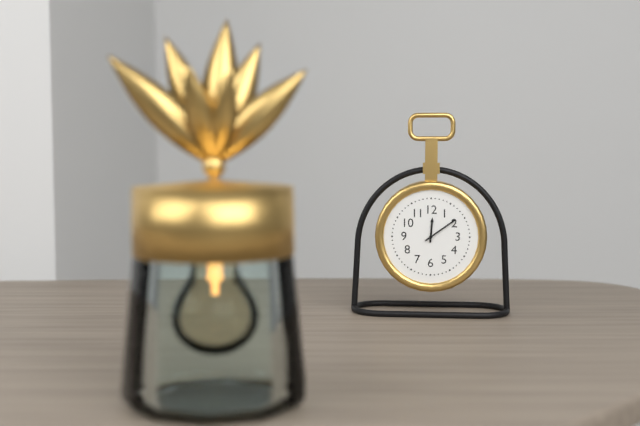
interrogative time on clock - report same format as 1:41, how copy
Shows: 12:09
